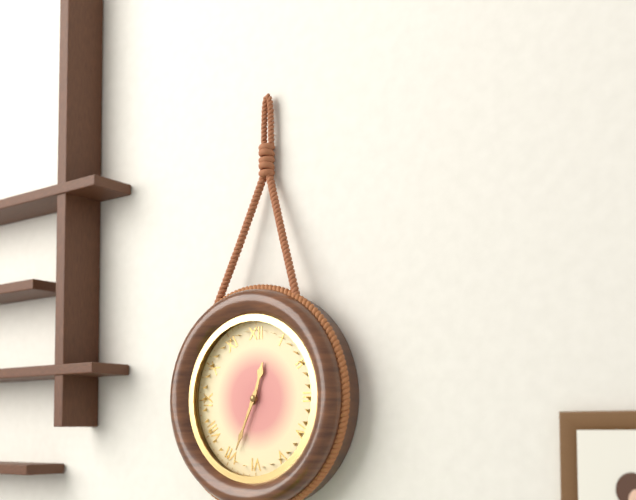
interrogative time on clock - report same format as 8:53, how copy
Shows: 12:34
